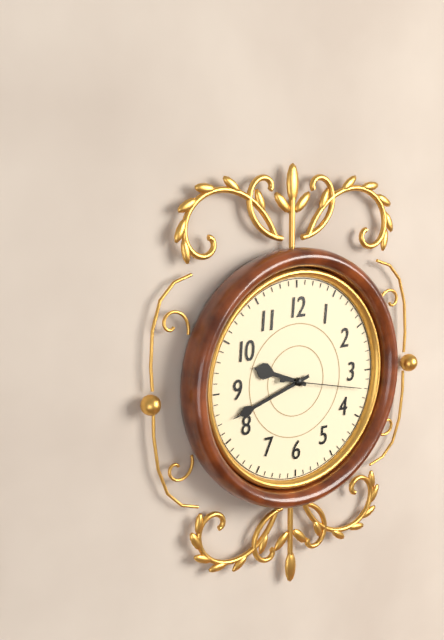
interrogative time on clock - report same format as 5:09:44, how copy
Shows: 9:42:17
